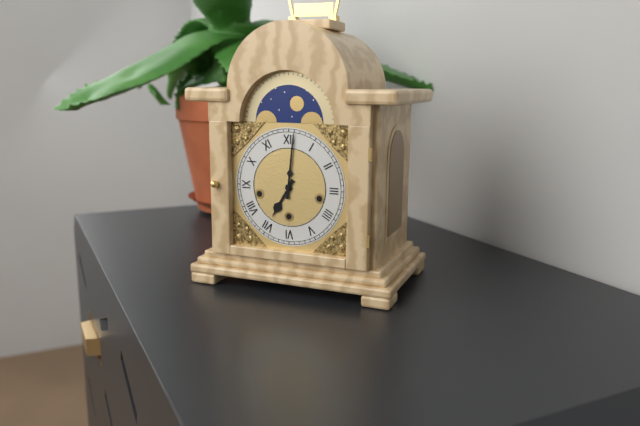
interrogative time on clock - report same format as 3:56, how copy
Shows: 7:01
